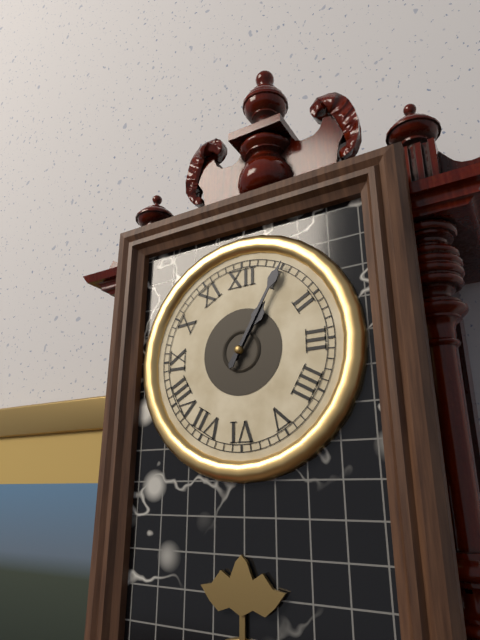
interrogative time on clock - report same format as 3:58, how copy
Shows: 1:05
